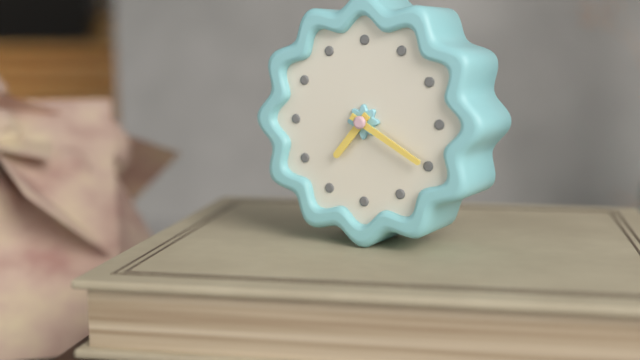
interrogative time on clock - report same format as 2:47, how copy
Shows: 7:20
